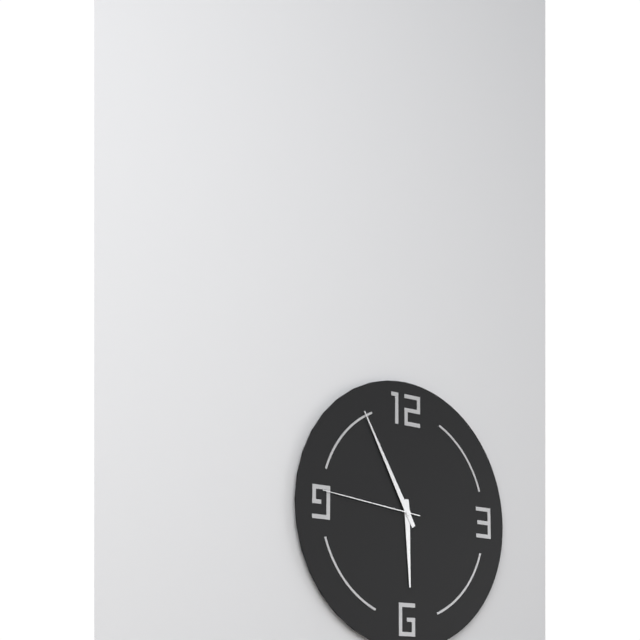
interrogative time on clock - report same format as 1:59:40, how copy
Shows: 5:55:46
